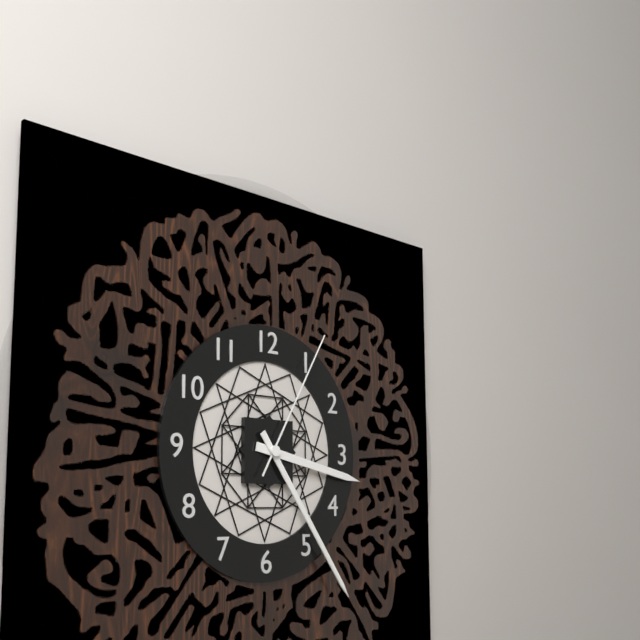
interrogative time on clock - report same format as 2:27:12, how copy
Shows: 3:24:05
